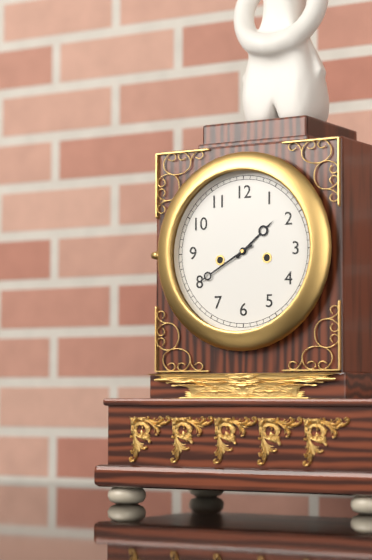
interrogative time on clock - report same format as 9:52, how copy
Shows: 1:40
